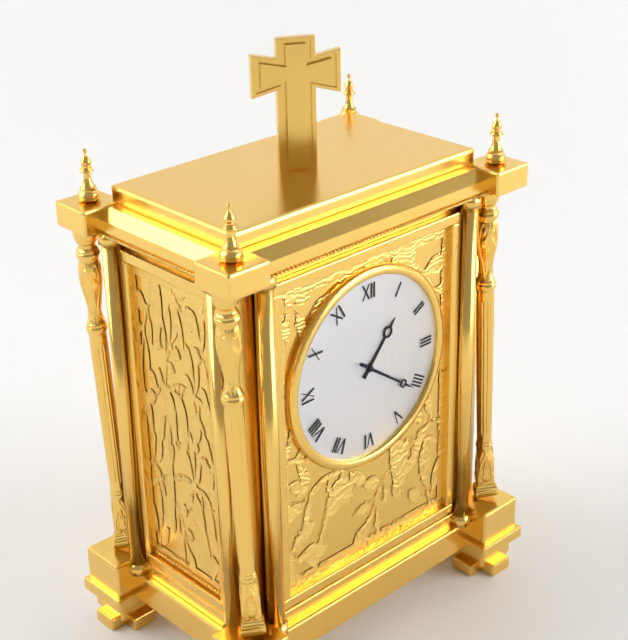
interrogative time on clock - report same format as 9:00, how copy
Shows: 1:21
